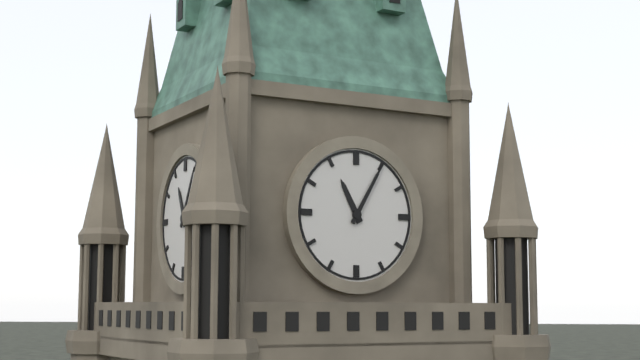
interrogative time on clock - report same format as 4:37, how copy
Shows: 11:05
